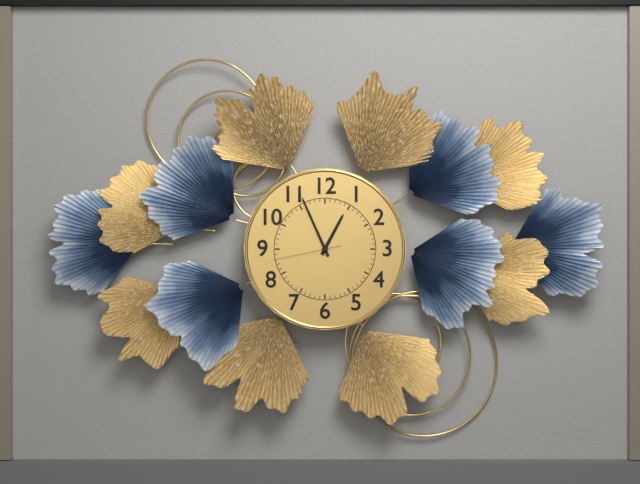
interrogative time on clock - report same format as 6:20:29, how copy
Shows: 12:56:43
